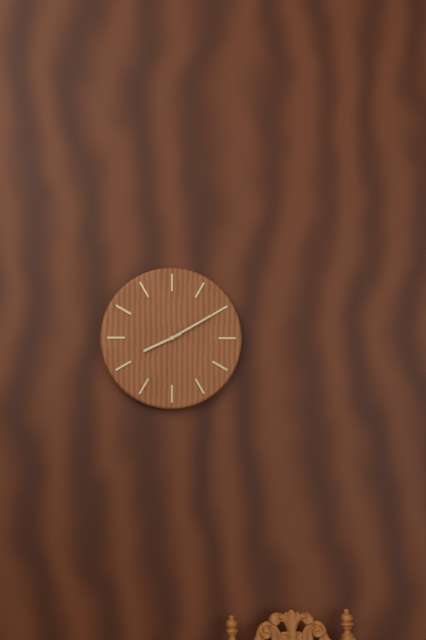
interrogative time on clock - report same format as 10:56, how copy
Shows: 8:10
